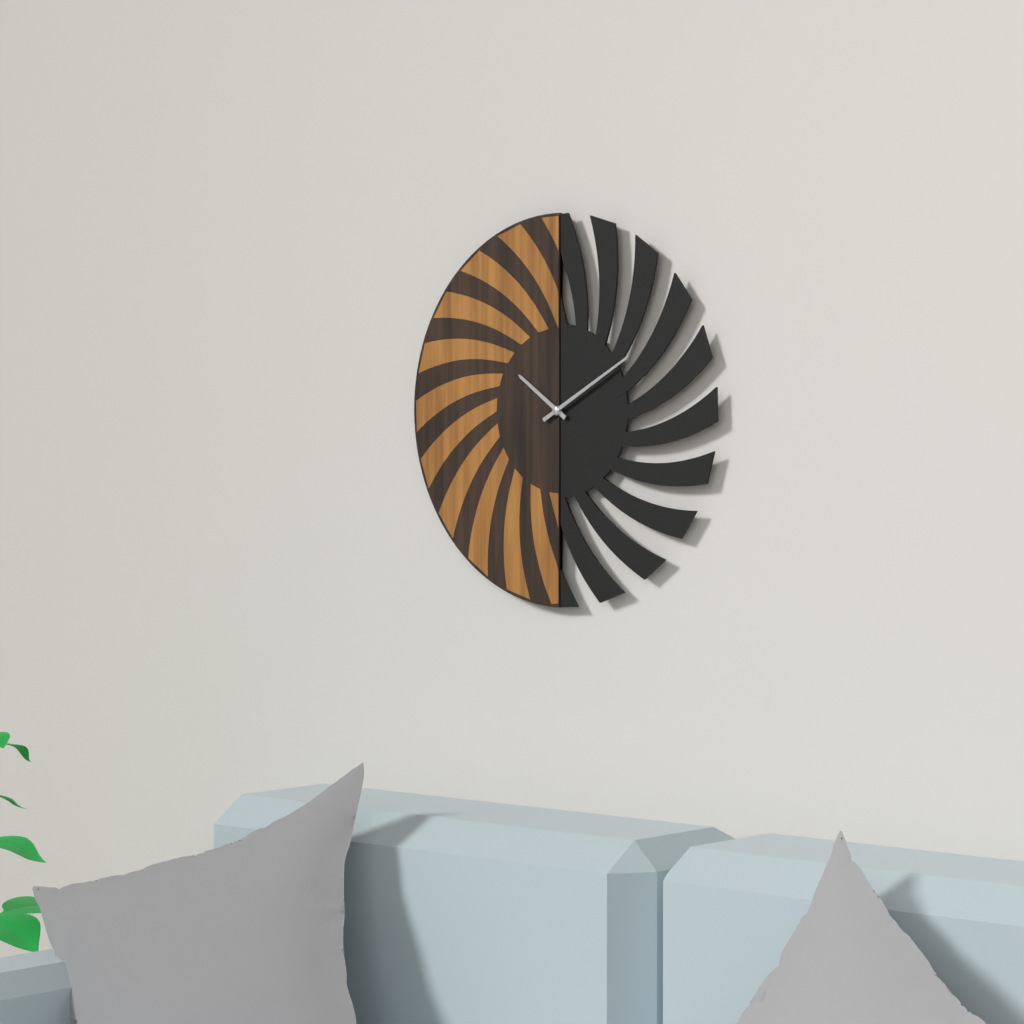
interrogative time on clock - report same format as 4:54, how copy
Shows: 10:10
